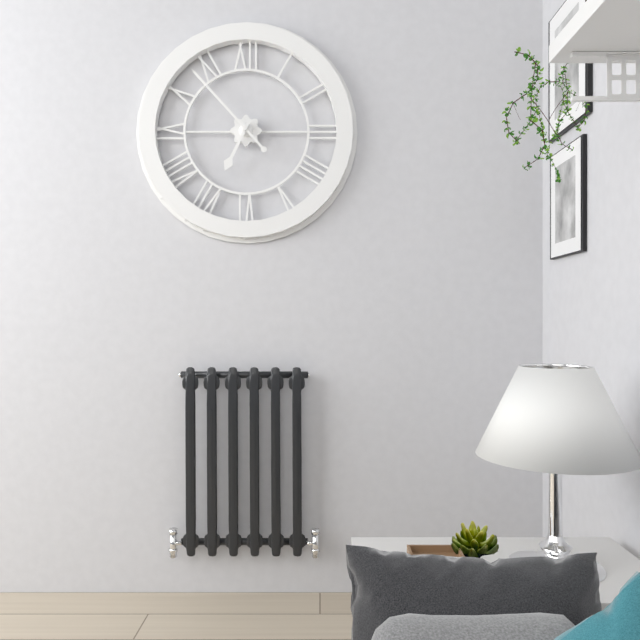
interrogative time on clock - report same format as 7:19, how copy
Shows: 6:53
